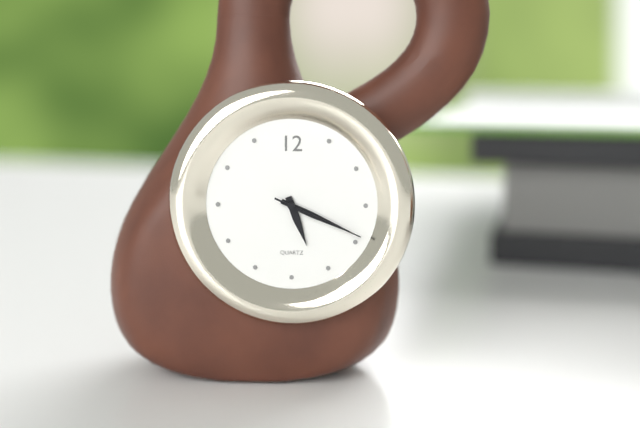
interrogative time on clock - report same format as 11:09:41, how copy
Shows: 5:19:19
